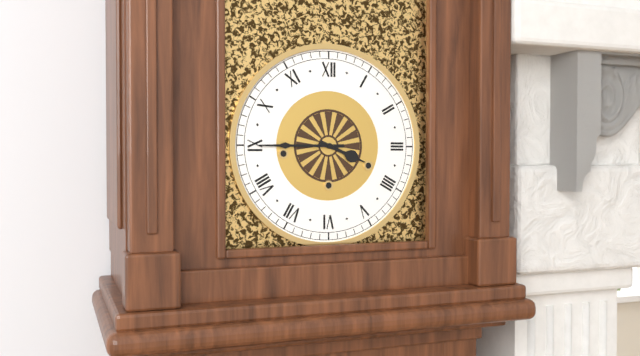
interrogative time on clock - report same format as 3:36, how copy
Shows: 3:45
